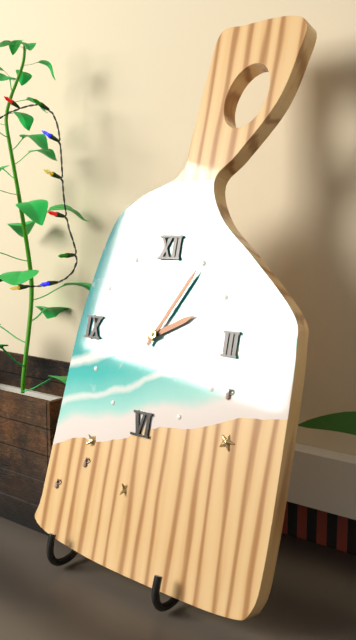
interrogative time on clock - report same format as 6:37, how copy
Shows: 2:05
